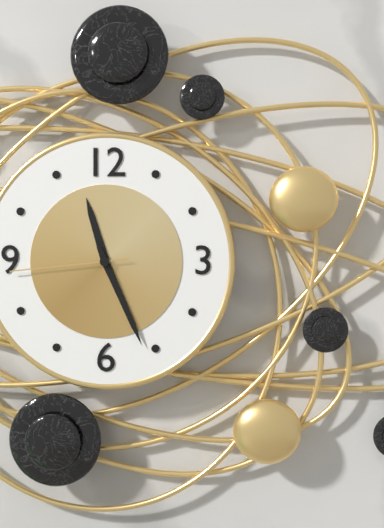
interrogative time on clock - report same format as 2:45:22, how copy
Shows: 11:26:44
